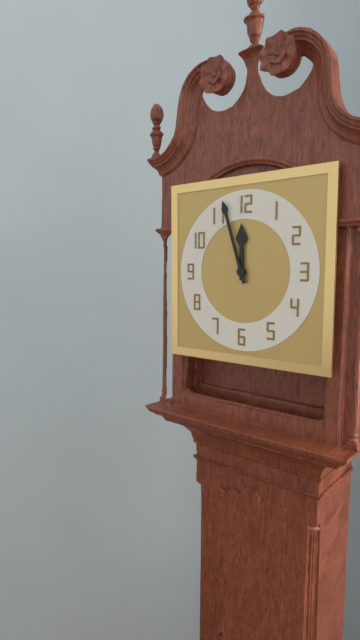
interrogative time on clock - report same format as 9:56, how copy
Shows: 11:57
